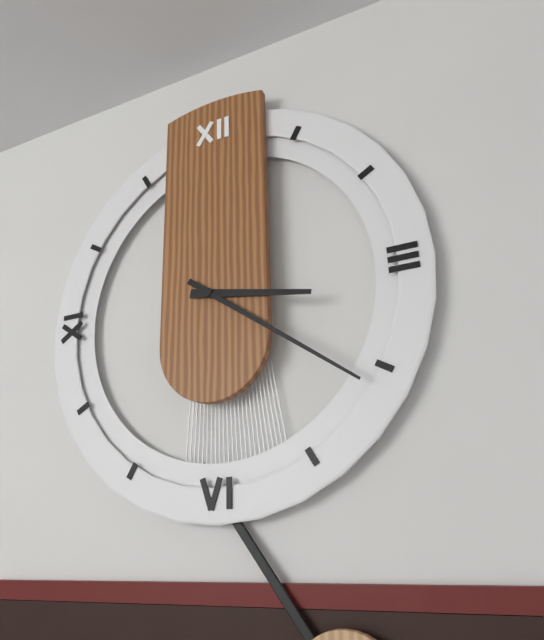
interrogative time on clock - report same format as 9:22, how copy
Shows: 3:21
